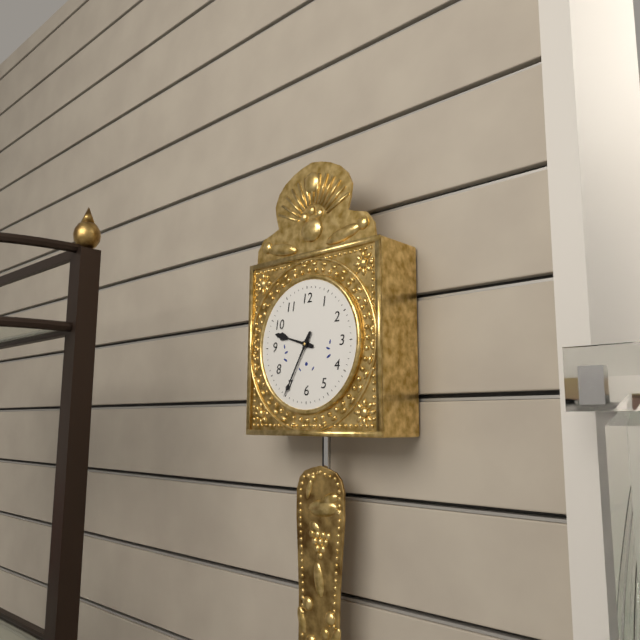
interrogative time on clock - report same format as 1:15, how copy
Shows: 9:35
